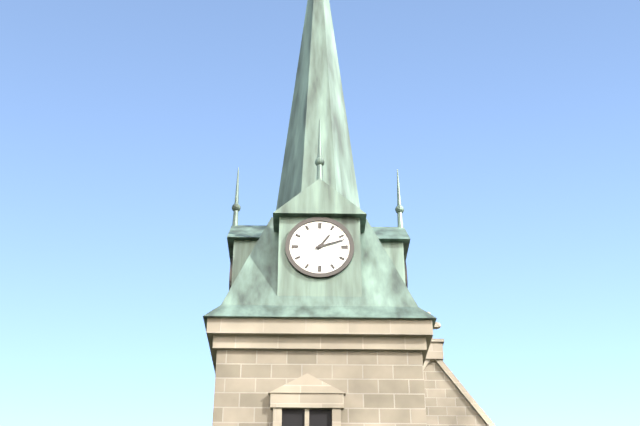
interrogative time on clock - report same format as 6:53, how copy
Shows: 1:12
